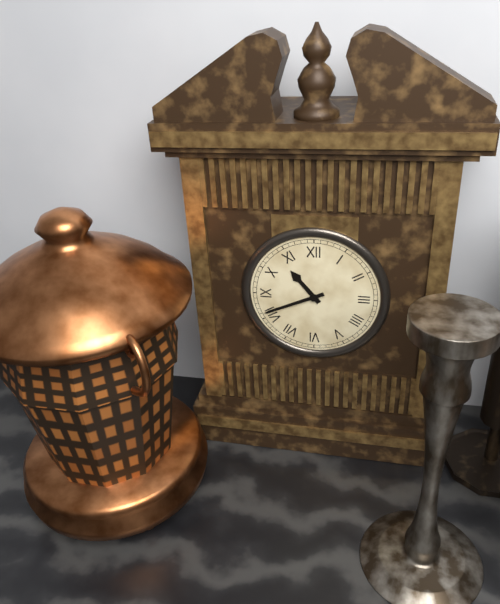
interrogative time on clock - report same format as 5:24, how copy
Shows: 10:41
